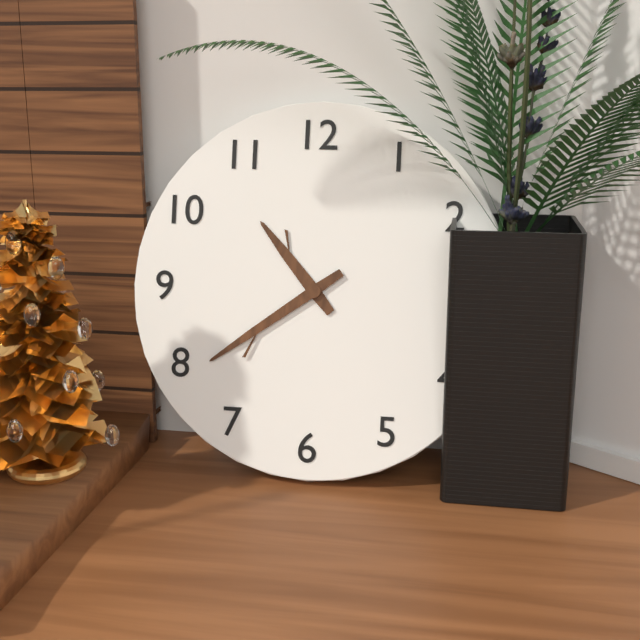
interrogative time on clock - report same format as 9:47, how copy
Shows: 10:39
